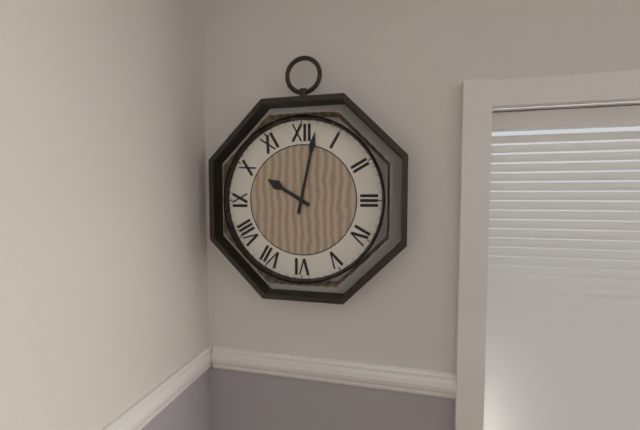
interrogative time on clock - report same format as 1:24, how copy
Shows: 10:02
